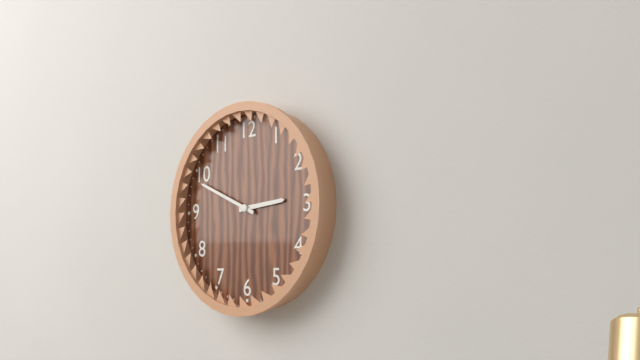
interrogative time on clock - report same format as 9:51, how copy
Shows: 2:49
